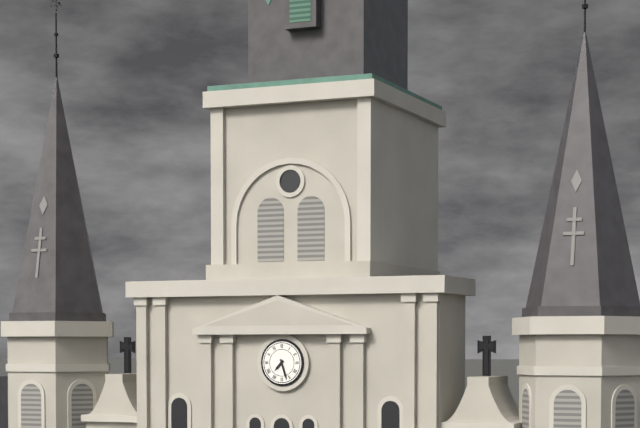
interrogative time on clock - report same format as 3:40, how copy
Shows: 7:27
